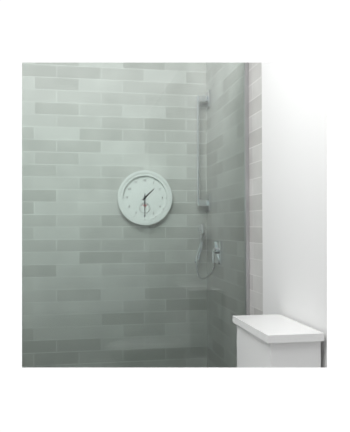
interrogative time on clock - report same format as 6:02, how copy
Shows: 1:30
